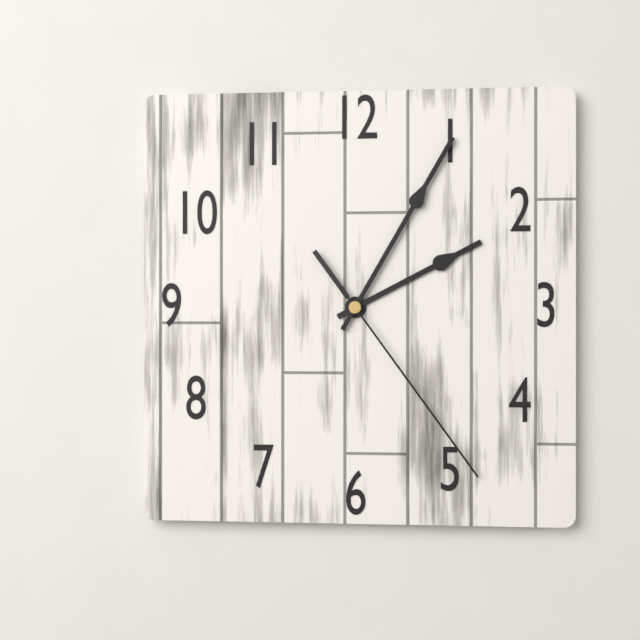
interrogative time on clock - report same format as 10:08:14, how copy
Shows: 2:05:24
